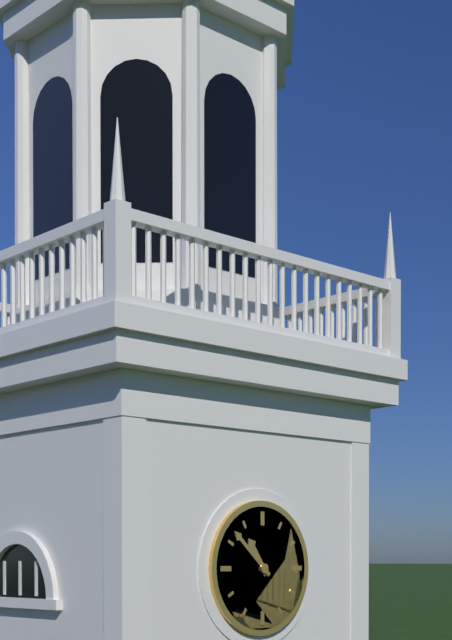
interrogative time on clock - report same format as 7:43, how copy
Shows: 10:52
